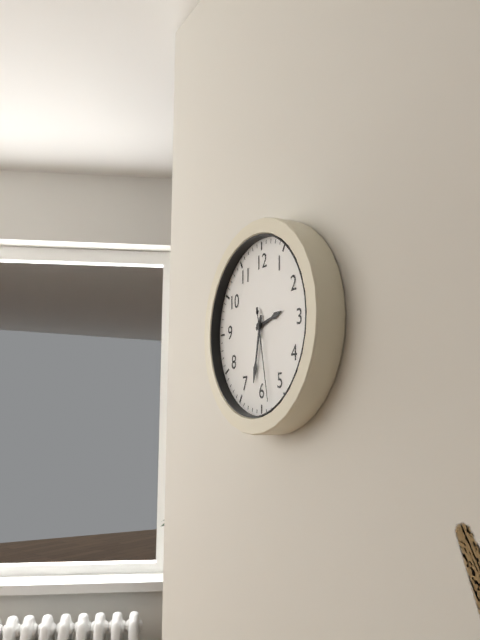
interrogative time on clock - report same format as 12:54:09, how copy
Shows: 2:32:28
